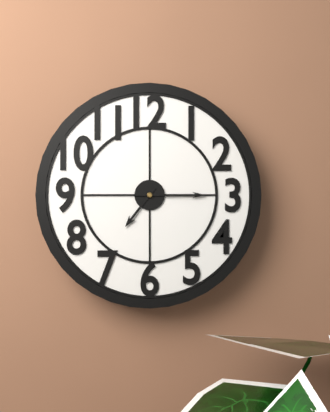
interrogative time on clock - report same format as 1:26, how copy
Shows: 7:15
